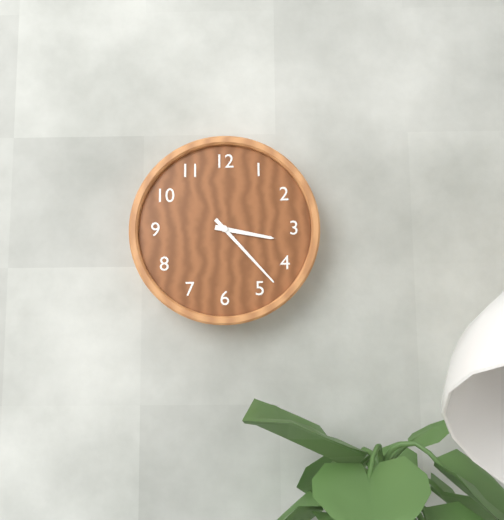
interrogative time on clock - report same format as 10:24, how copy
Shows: 3:23
